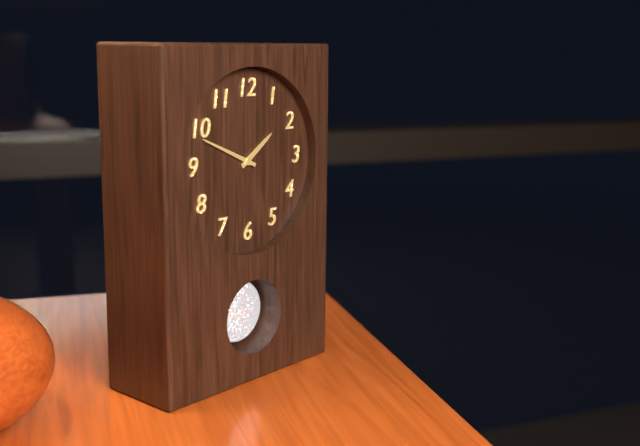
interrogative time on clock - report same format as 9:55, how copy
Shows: 1:49
